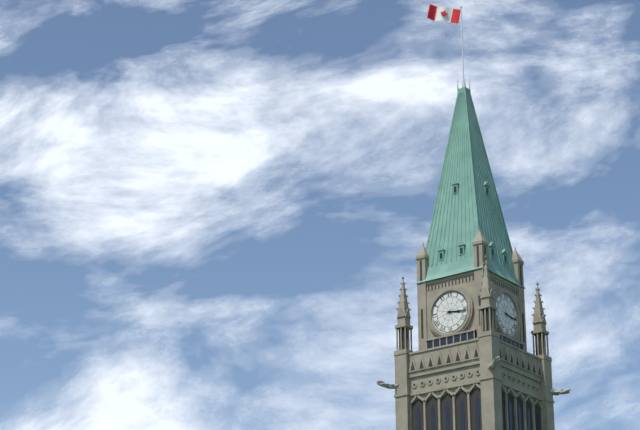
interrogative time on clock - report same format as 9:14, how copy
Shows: 3:16
